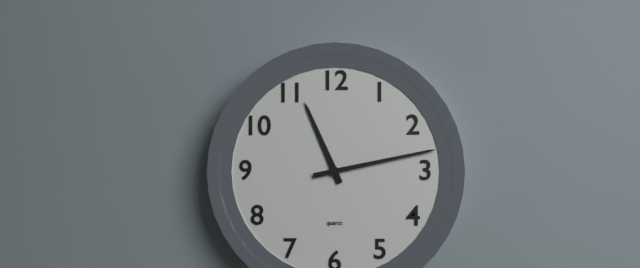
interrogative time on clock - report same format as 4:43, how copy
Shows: 11:13
